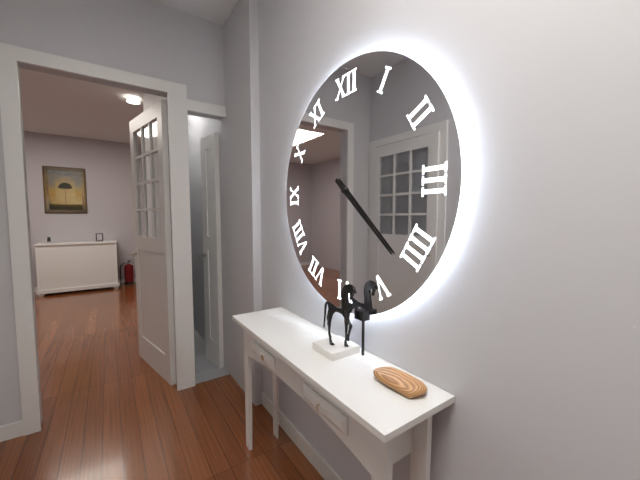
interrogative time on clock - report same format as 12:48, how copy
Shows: 4:22
